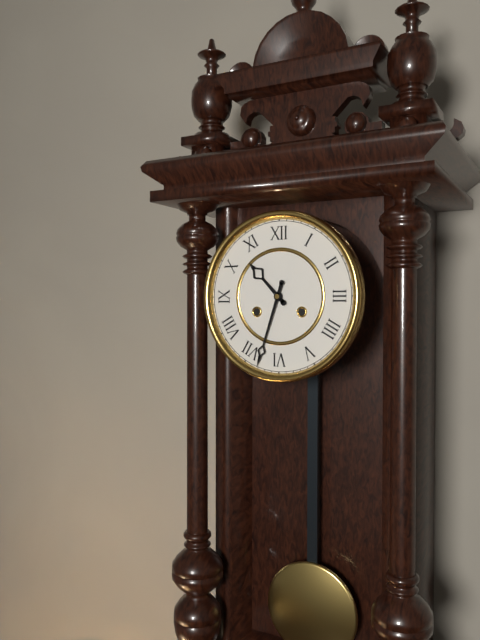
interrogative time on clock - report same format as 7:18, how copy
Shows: 10:33
